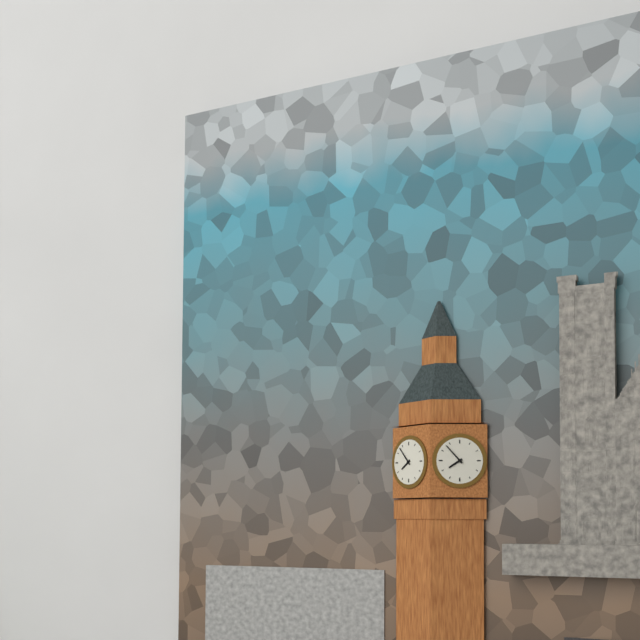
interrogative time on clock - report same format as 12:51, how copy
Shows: 7:53
